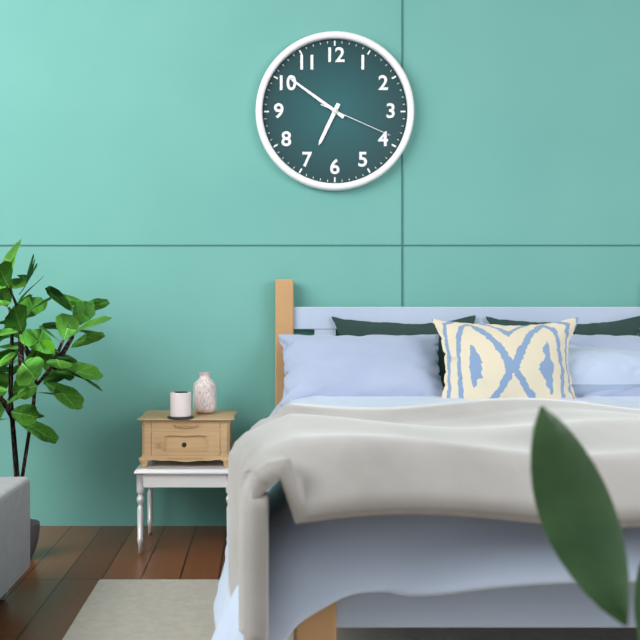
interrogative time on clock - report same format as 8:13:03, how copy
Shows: 6:51:19
